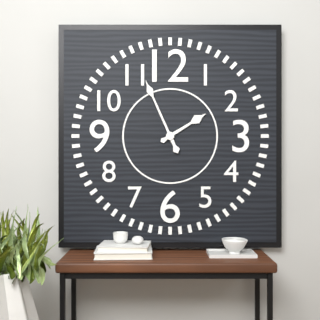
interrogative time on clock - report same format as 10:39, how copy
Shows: 1:56
